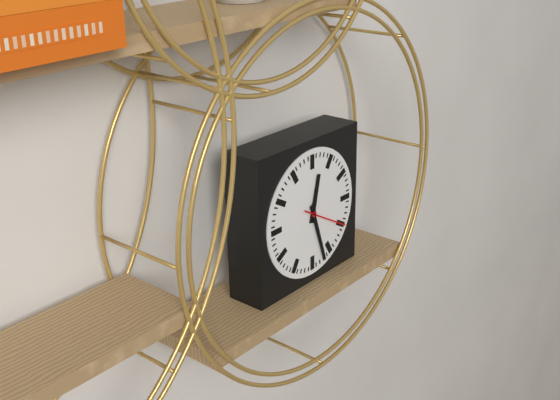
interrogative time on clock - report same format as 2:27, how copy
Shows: 12:27
